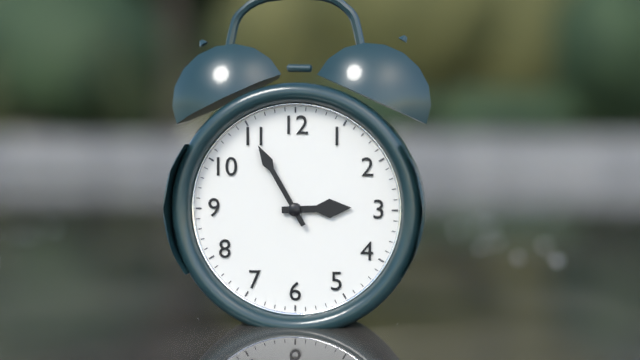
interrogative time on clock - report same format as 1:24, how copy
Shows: 2:55
